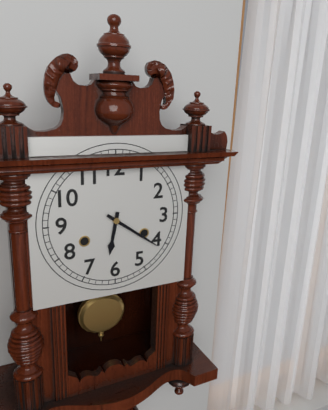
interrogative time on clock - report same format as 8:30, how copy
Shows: 6:21
